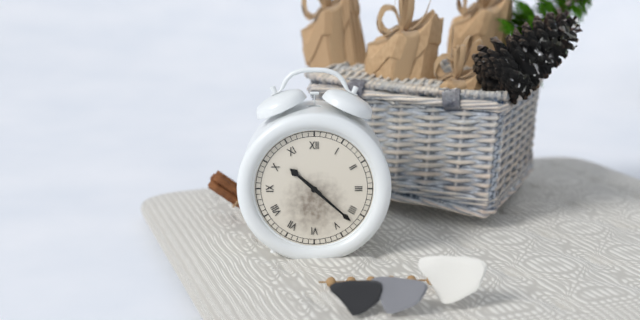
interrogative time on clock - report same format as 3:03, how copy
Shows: 10:22
